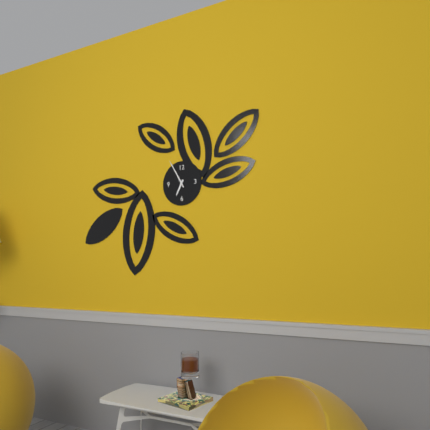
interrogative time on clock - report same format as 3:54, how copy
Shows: 6:55
